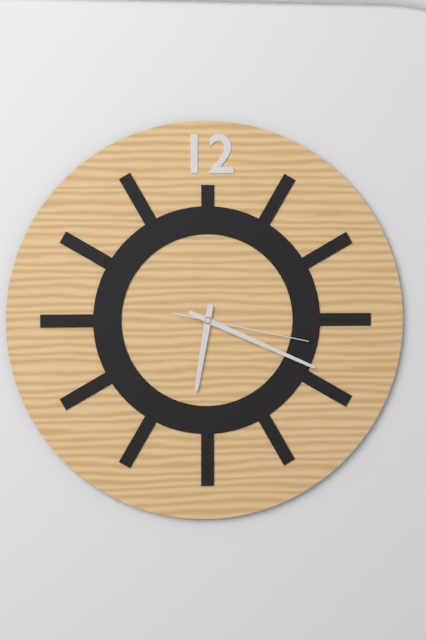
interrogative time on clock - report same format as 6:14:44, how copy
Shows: 6:19:17
